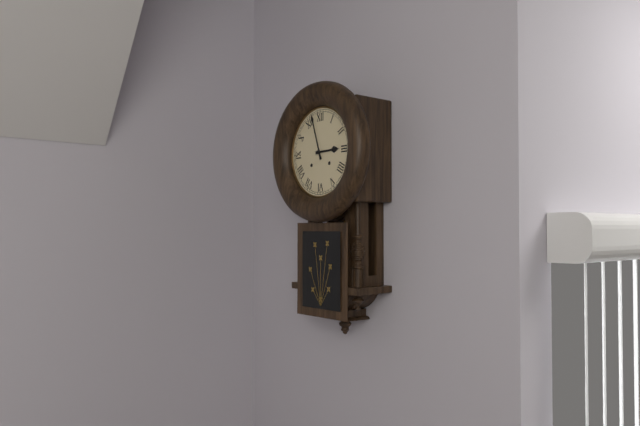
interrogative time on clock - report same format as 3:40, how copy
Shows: 2:57
